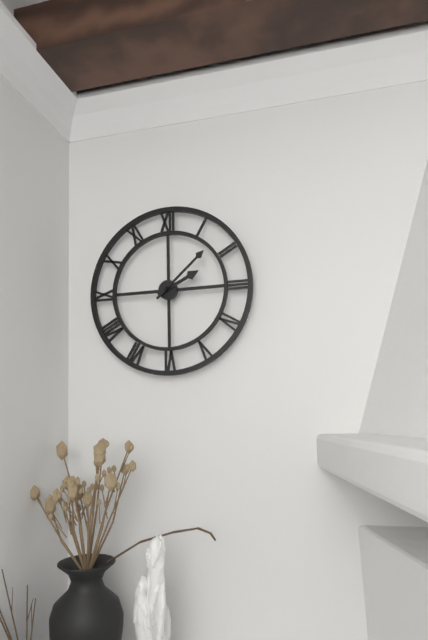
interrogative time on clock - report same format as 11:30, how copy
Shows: 2:08
